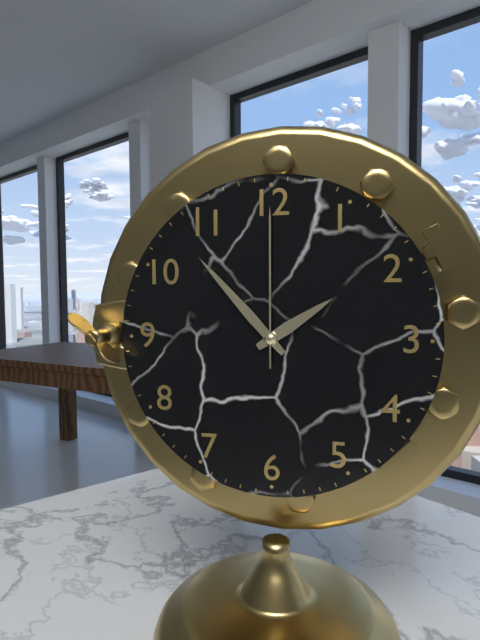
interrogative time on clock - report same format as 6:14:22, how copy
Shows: 1:53:00
